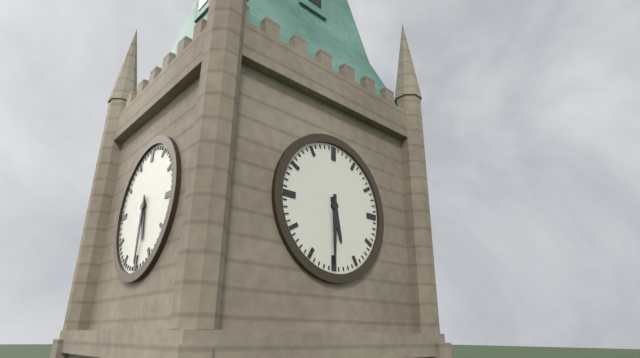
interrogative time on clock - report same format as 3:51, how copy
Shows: 5:30
